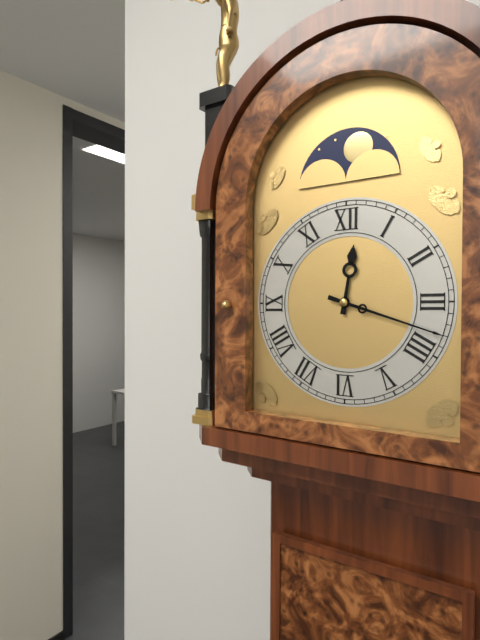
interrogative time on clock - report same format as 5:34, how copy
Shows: 12:18
